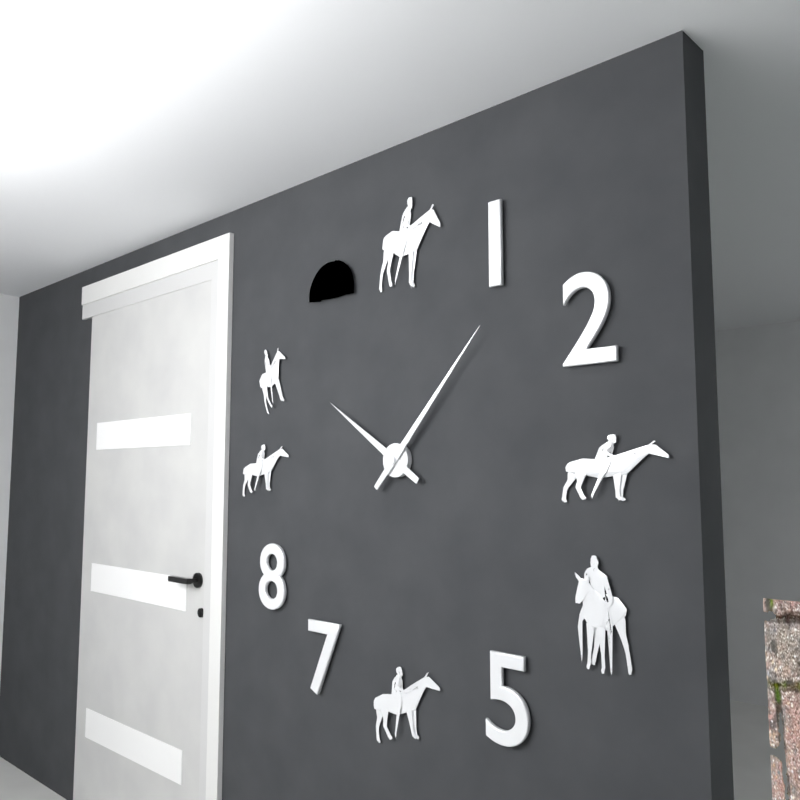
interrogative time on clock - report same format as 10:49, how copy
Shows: 10:07
